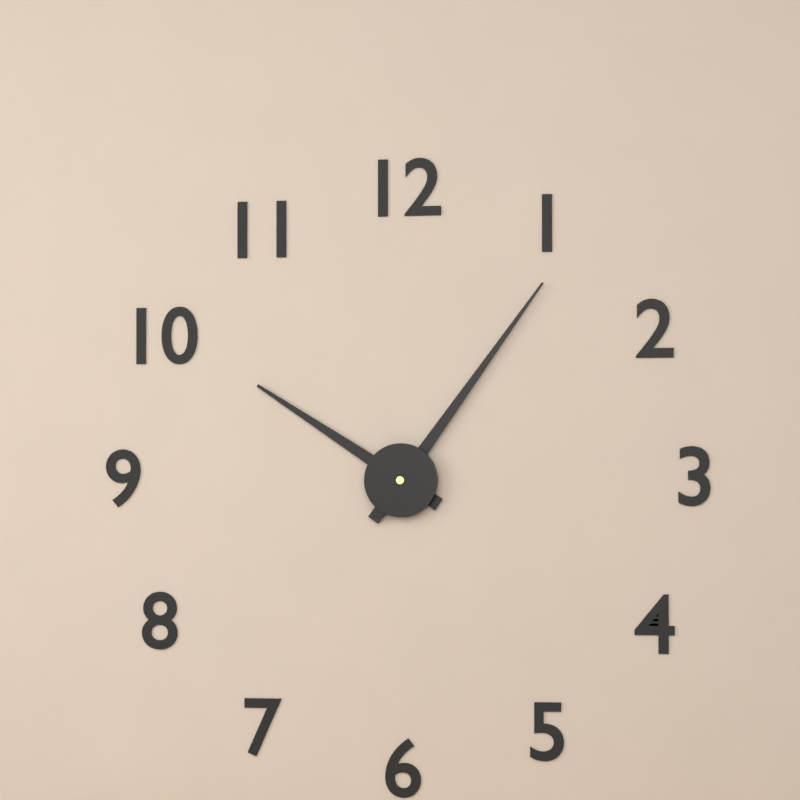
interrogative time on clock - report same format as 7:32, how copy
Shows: 10:06
